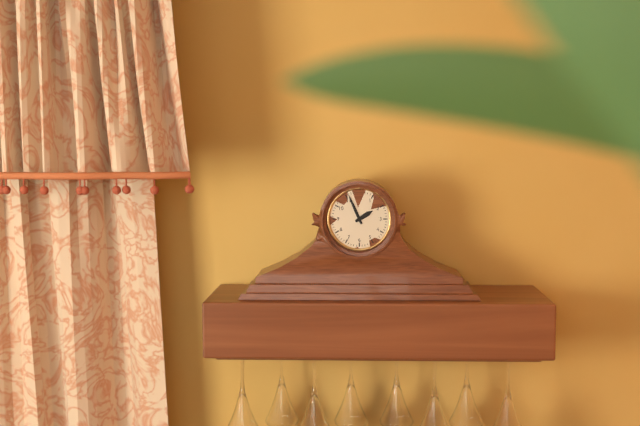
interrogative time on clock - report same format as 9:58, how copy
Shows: 1:56
